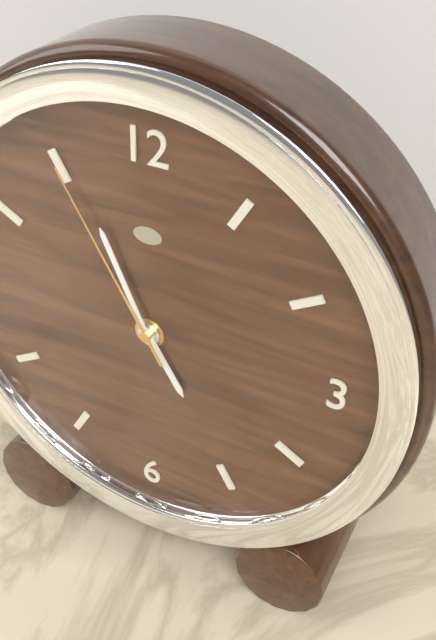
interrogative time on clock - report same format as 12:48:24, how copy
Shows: 4:56:55
